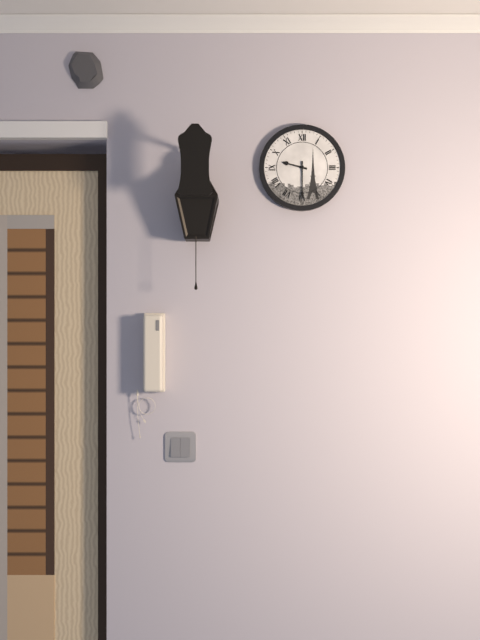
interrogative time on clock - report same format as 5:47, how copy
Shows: 9:30
